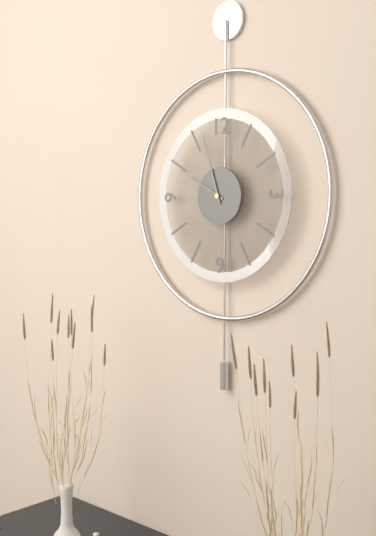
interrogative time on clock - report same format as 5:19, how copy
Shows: 9:57
